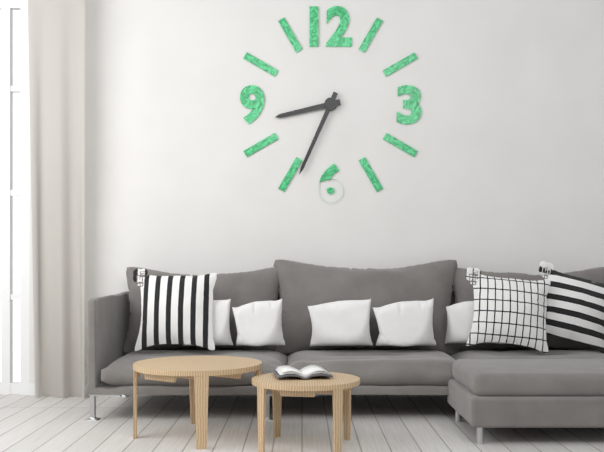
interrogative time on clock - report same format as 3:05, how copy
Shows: 8:34
